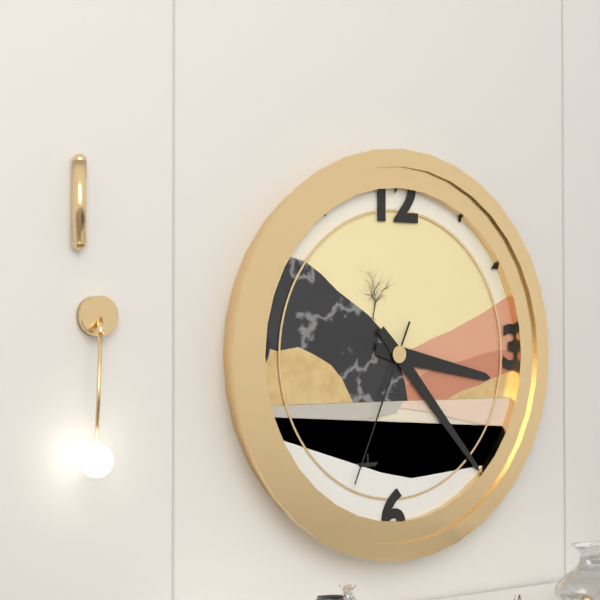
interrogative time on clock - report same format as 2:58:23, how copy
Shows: 3:23:34
